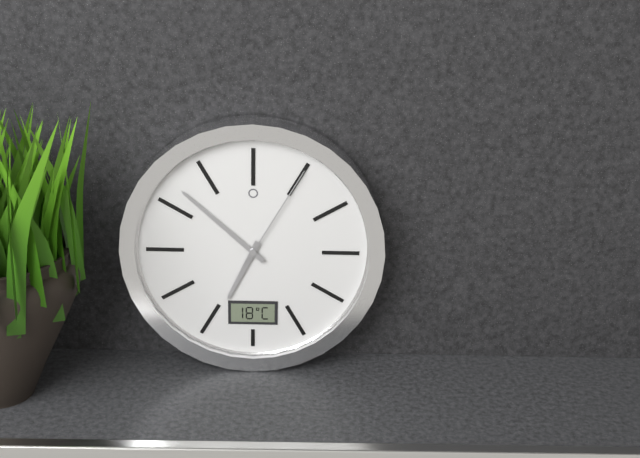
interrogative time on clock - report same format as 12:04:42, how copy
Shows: 6:52:05
